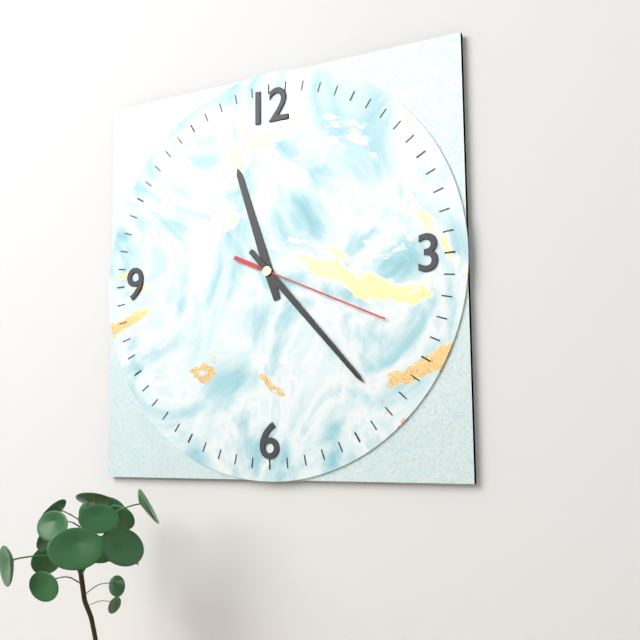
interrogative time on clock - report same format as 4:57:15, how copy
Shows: 11:23:19
